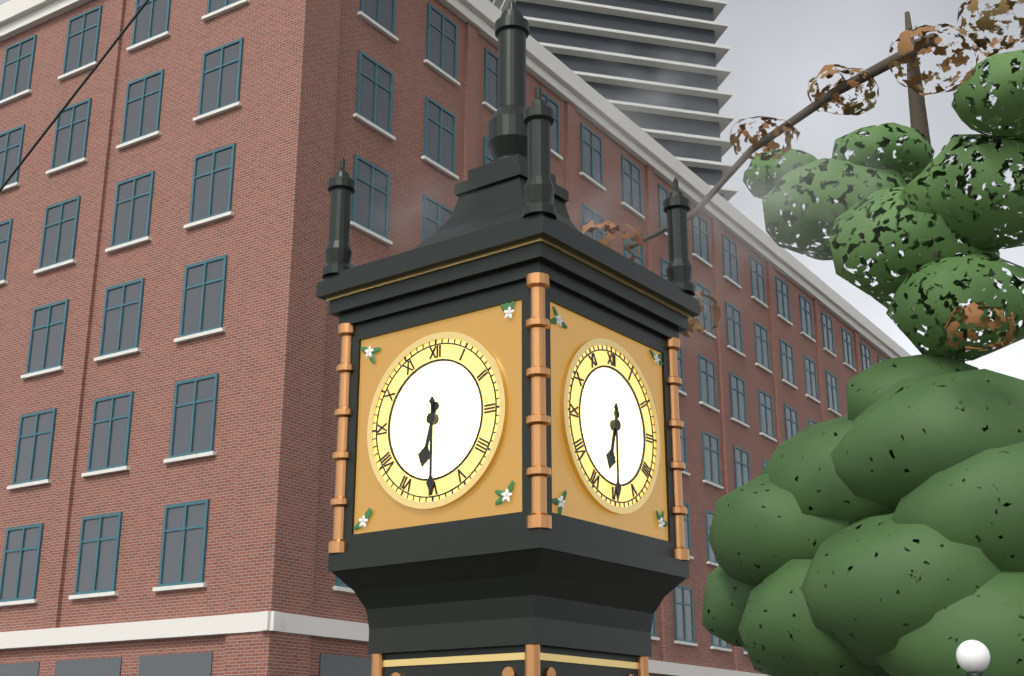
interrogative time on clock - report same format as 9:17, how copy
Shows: 6:30
